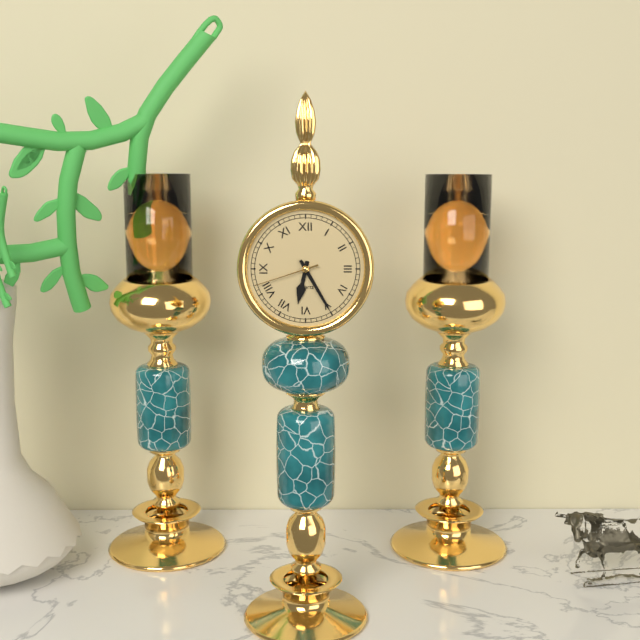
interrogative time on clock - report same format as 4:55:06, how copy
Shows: 6:25:42
